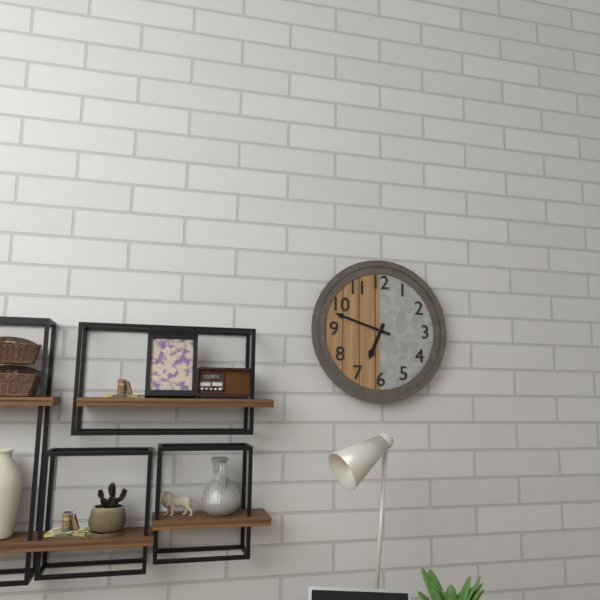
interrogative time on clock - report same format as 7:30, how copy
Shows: 6:48
